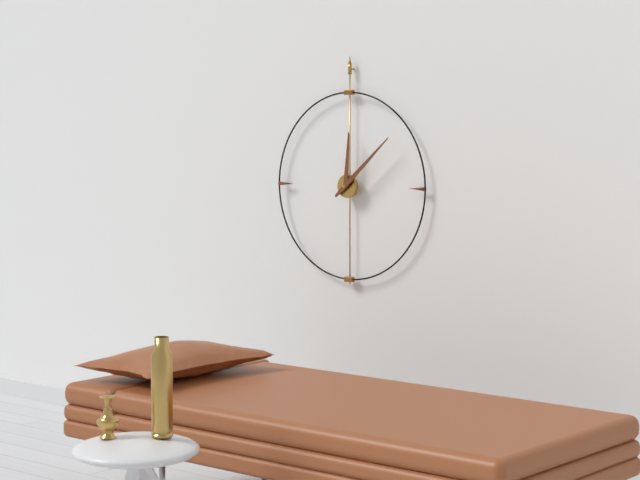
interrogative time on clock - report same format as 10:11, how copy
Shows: 12:08
